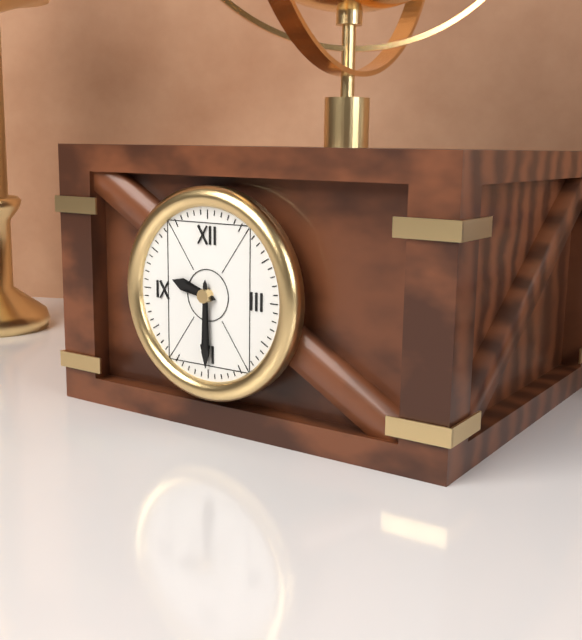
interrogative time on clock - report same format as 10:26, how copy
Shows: 9:30
